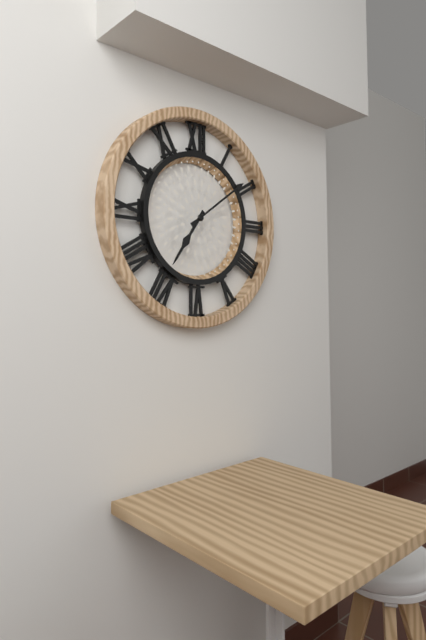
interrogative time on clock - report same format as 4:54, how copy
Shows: 7:09
